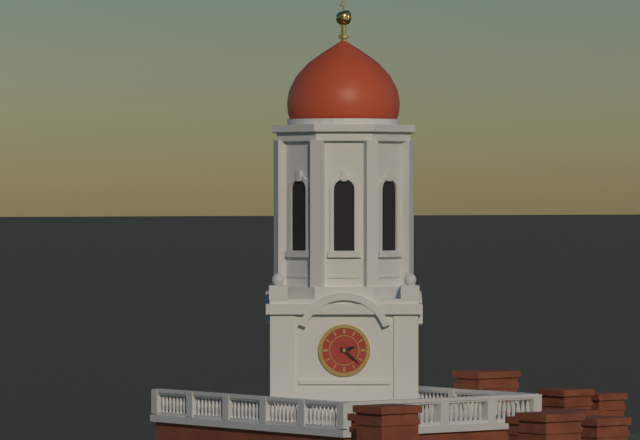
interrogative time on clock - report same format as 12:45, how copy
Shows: 2:22
